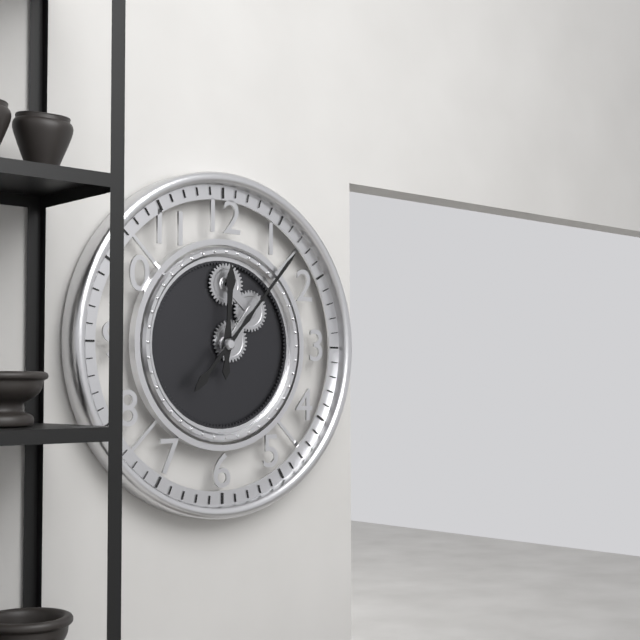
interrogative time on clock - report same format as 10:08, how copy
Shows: 12:07
